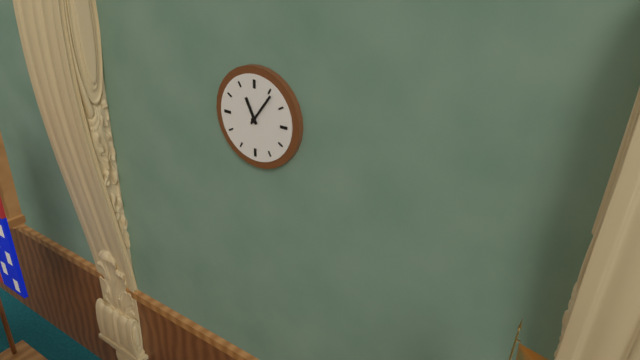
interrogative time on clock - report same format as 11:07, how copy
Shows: 11:06
